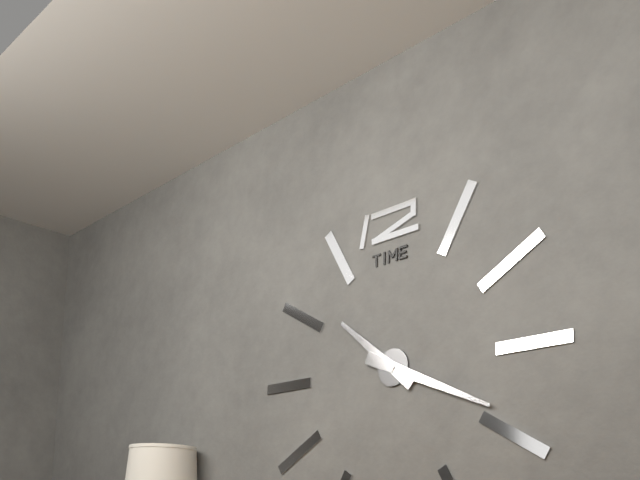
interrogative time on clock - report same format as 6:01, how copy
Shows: 10:19
